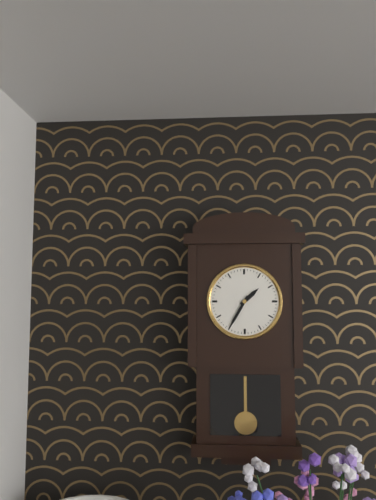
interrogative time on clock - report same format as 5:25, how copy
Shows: 1:35
